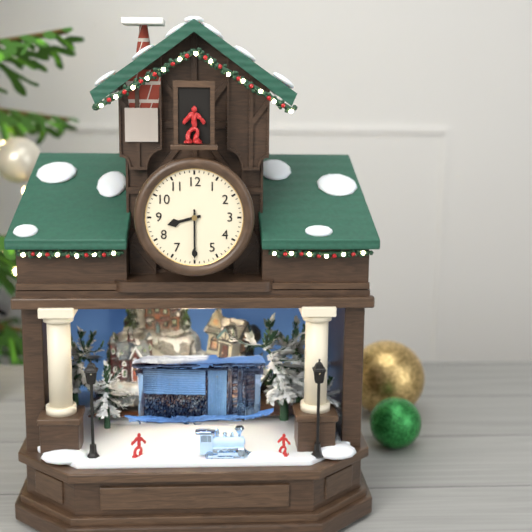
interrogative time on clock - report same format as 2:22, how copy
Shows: 8:30
